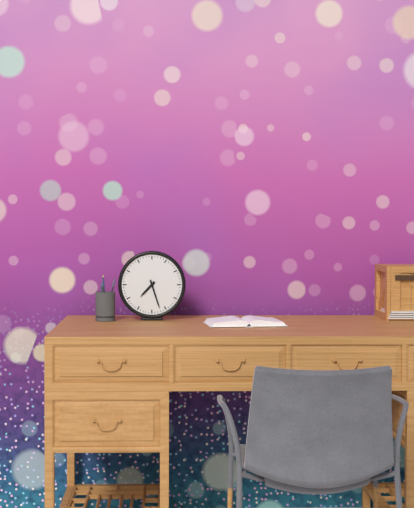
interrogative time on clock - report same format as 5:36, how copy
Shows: 7:27
